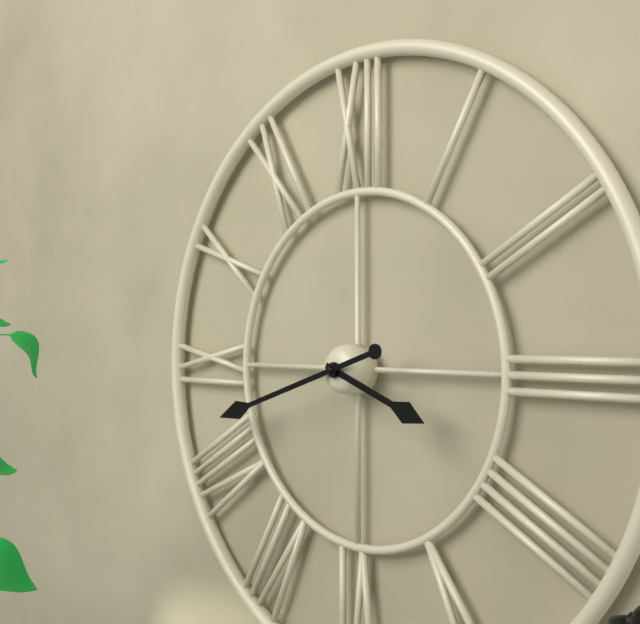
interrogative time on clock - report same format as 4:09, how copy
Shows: 3:42
